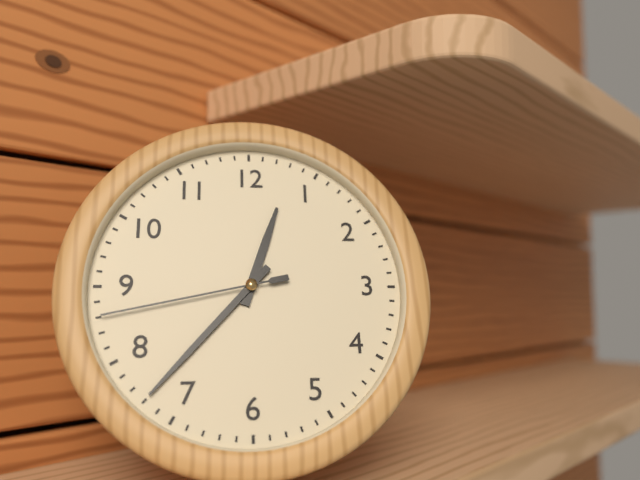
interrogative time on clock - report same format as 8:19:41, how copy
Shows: 12:37:43
